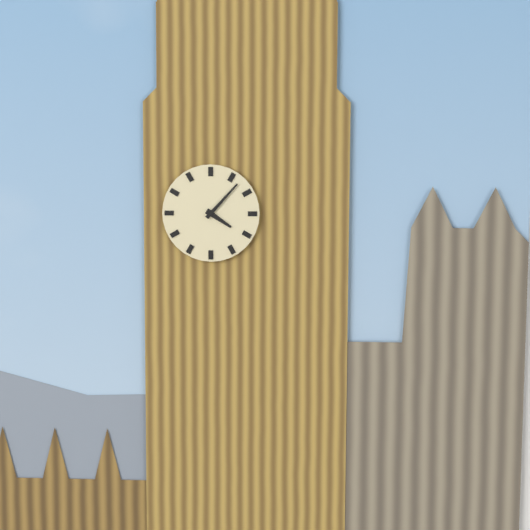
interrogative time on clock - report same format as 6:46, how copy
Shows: 4:07
